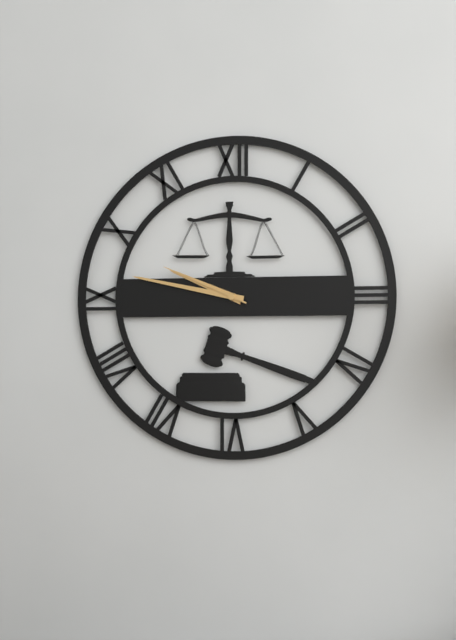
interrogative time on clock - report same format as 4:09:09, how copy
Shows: 9:47:49
